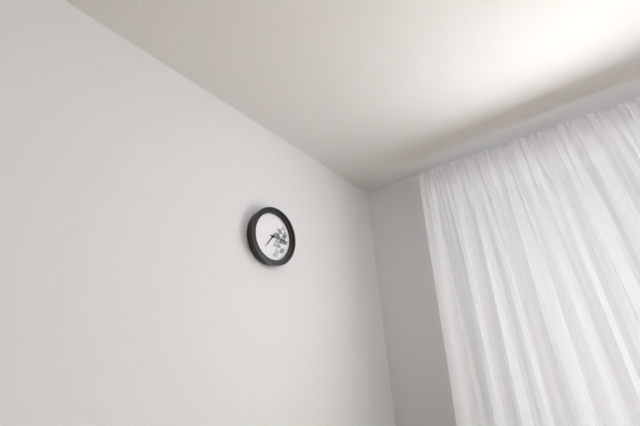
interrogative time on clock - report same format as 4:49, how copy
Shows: 7:16
